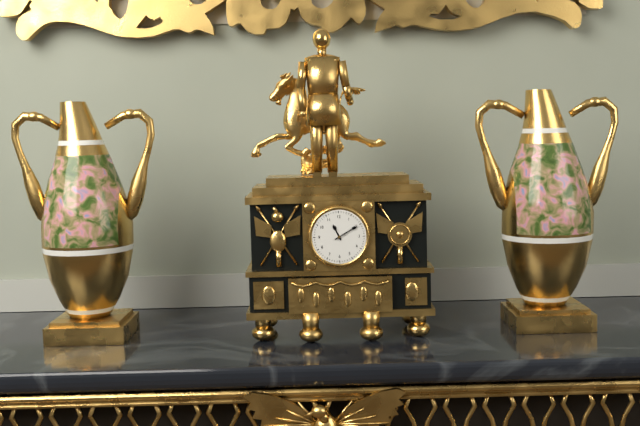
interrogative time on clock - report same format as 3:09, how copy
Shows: 11:10
